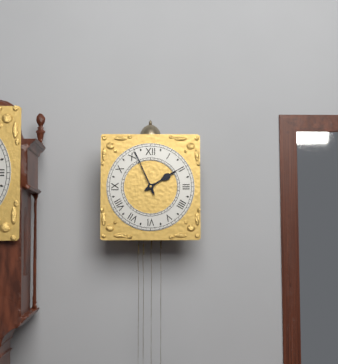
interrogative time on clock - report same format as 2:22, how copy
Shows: 1:56
